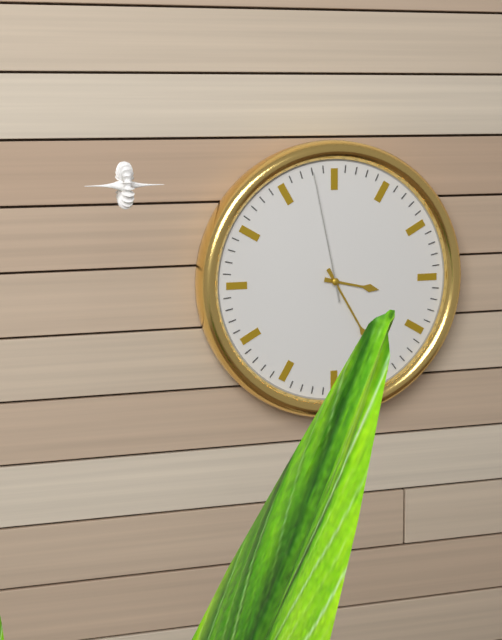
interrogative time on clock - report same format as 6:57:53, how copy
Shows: 3:25:58
